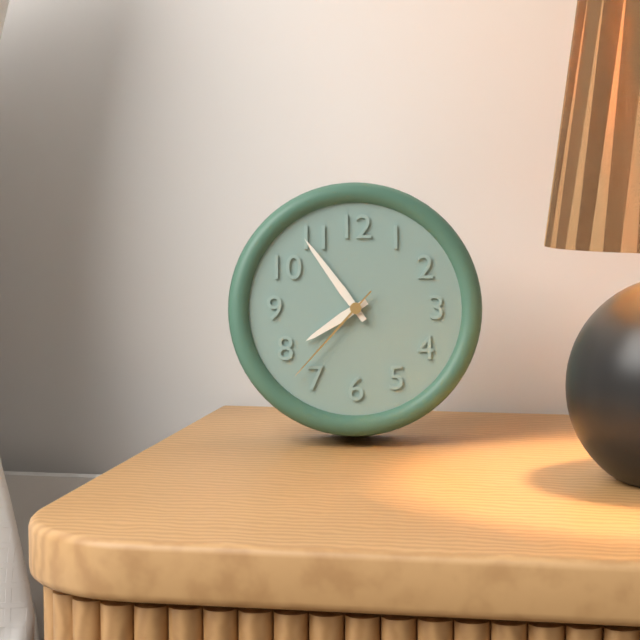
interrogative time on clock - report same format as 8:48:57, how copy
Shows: 7:54:37
